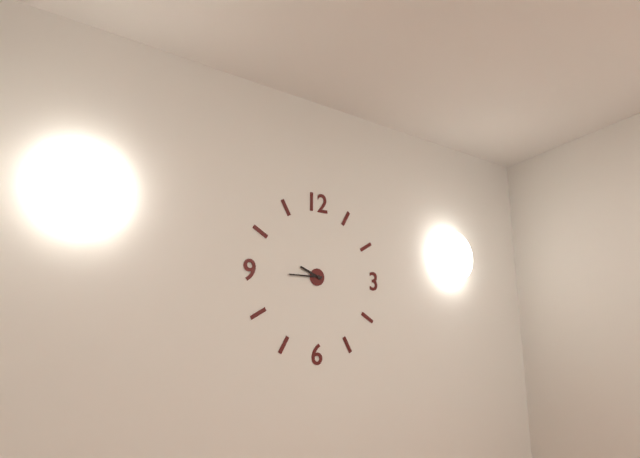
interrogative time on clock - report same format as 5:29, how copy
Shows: 9:45
